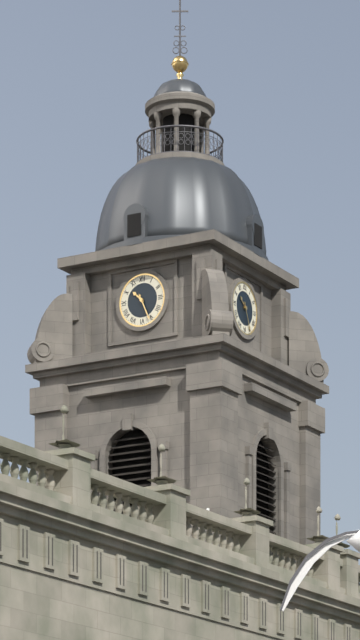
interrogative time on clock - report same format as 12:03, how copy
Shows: 10:26
